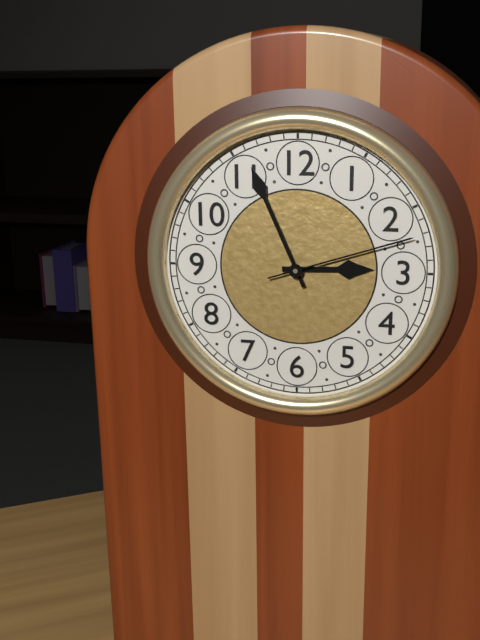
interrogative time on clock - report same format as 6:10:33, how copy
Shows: 2:56:12
